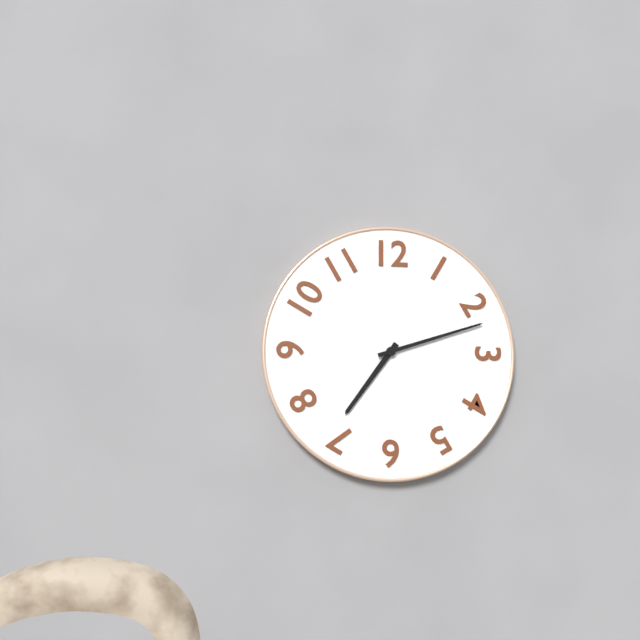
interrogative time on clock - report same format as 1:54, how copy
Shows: 7:12
